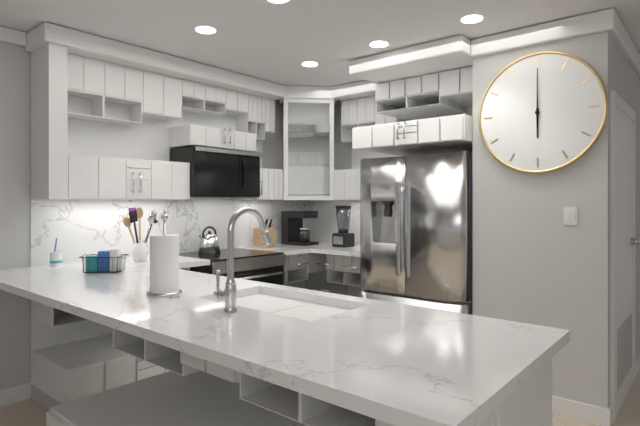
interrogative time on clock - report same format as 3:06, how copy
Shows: 6:00
